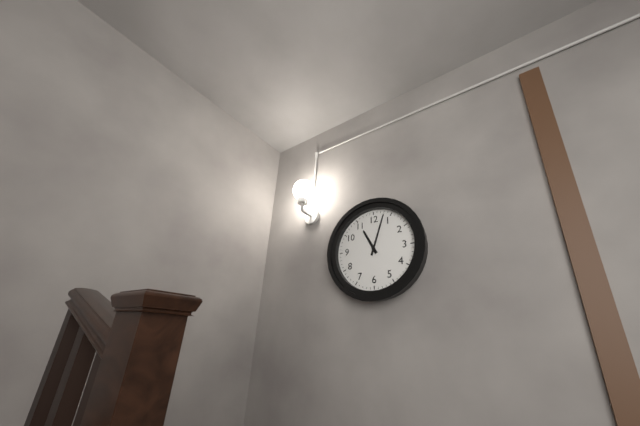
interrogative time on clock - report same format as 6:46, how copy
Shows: 11:03
